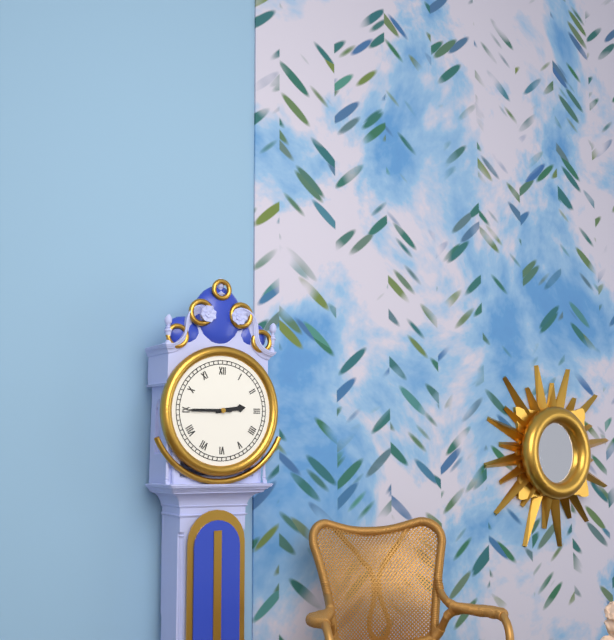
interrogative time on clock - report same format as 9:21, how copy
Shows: 2:45
